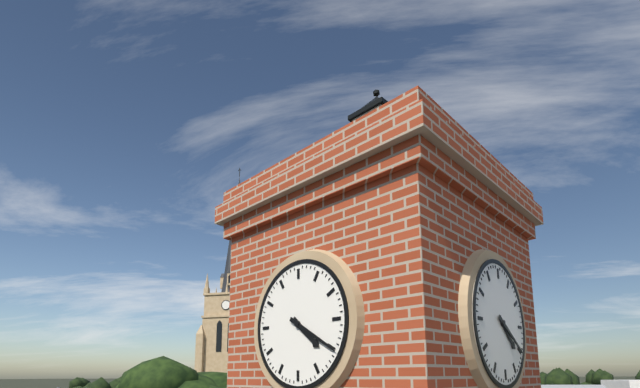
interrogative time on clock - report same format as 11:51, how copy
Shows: 4:20
